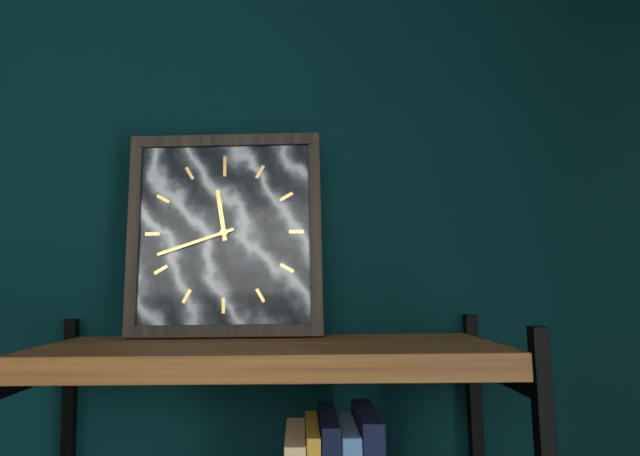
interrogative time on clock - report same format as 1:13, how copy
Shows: 11:42
